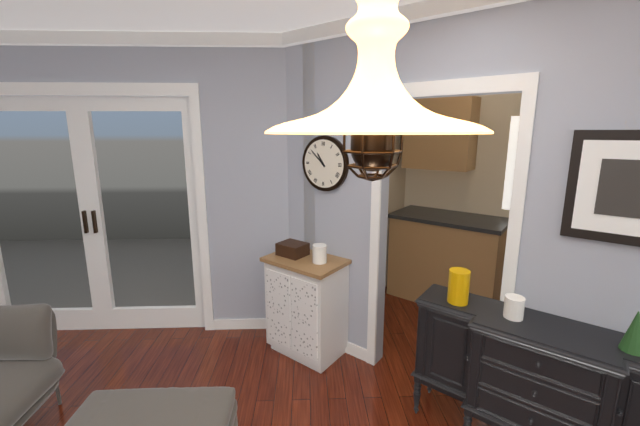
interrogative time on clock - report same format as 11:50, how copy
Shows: 10:52
